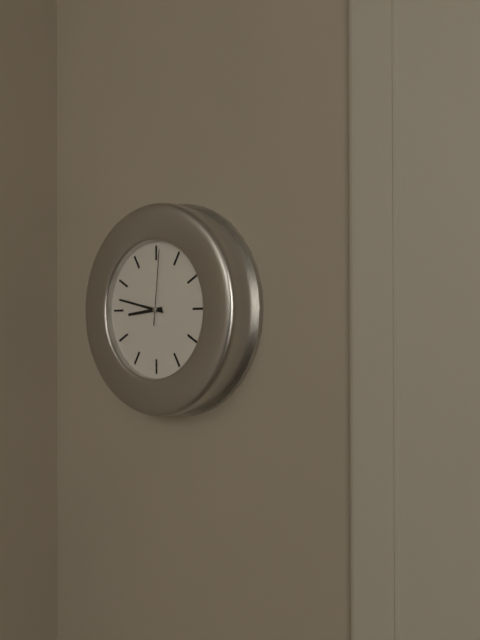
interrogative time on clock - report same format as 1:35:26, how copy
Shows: 8:47:01
